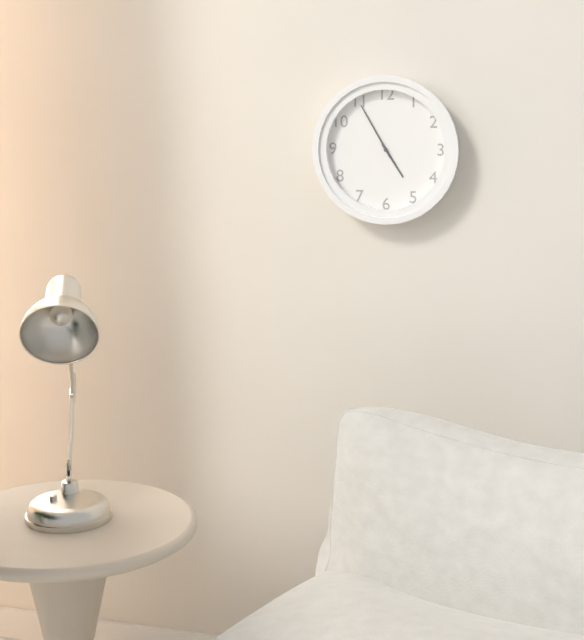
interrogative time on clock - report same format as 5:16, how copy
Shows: 4:55
